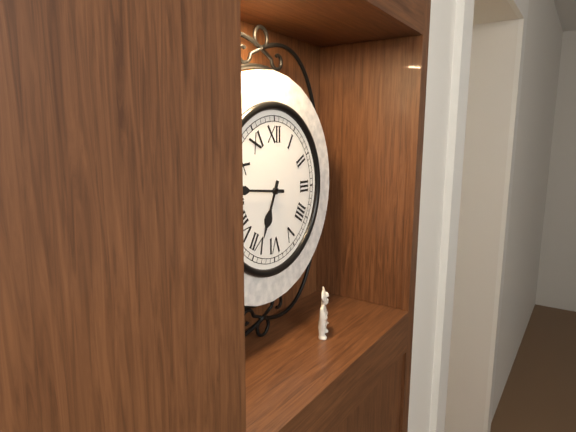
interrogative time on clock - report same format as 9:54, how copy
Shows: 6:46
